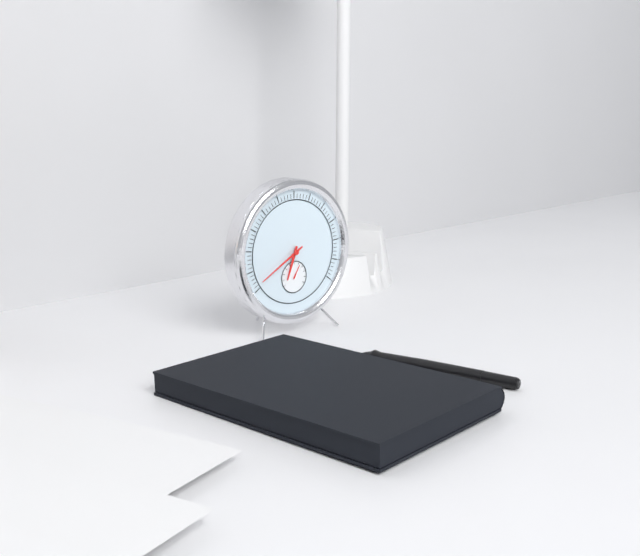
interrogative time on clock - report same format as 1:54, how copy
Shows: 6:40
